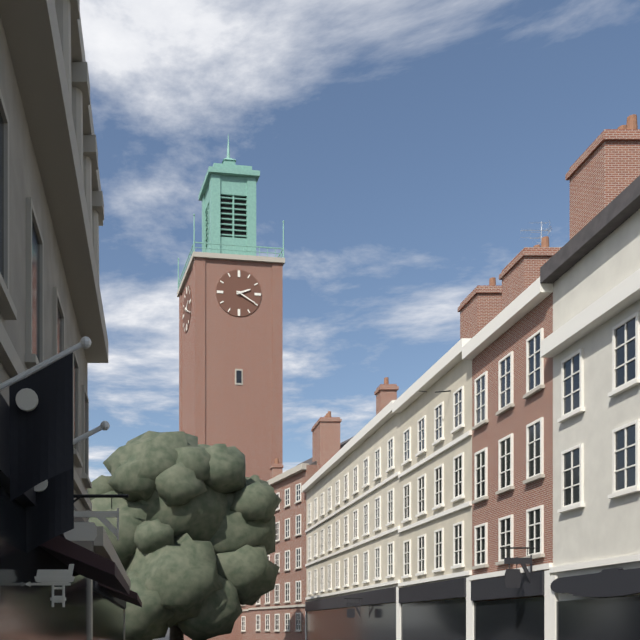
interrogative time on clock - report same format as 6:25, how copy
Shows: 2:20
